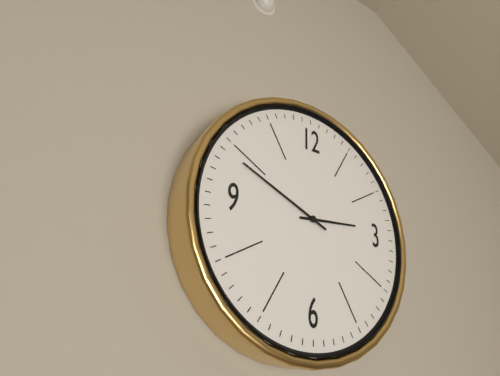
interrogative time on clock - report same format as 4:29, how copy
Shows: 2:49
